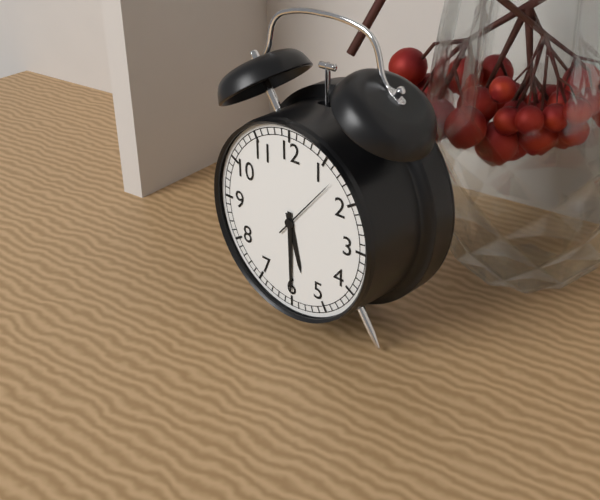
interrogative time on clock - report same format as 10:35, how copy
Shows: 5:30
